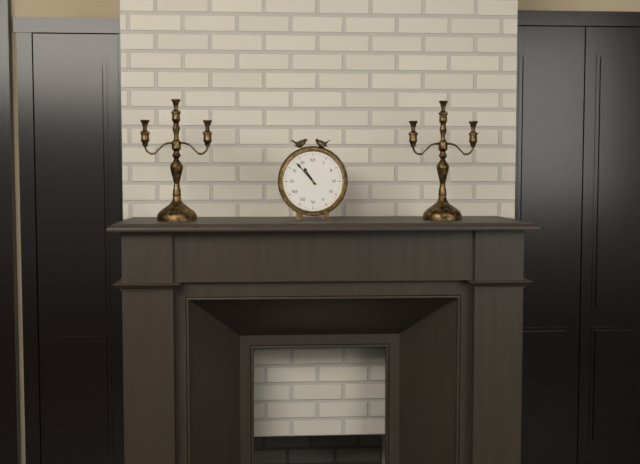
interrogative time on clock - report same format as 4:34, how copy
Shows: 10:53
